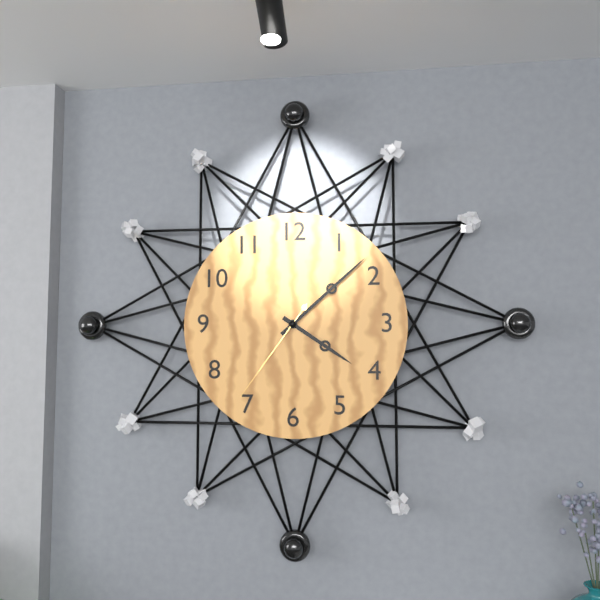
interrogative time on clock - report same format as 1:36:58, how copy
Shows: 4:08:36
